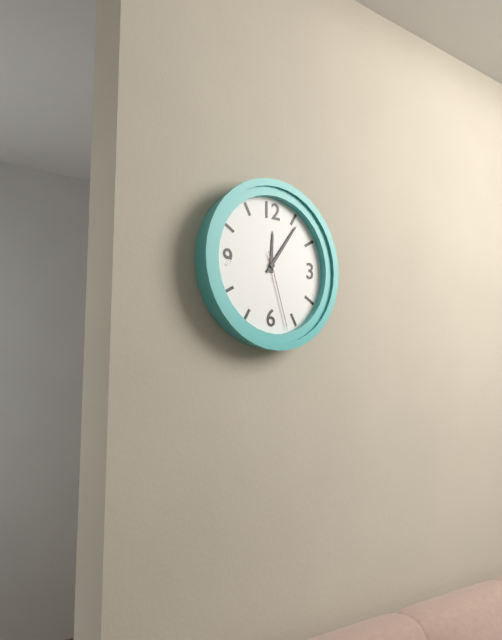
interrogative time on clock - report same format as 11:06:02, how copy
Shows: 12:06:27
